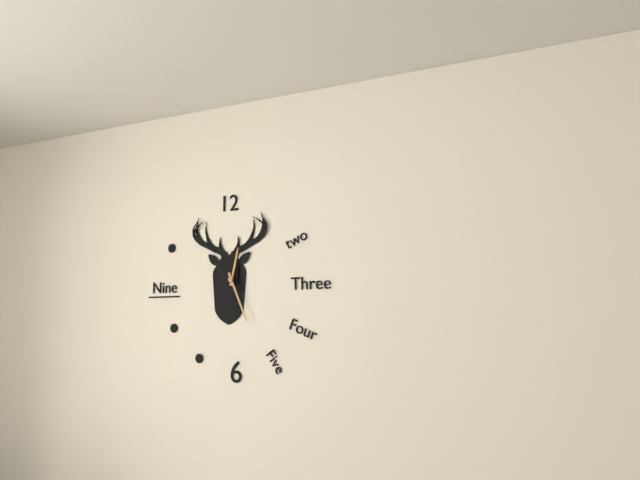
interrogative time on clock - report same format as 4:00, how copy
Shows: 12:26
